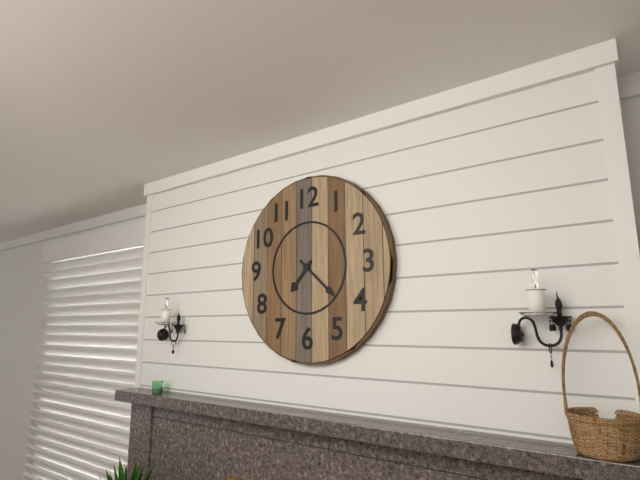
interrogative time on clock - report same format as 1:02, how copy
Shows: 7:22
